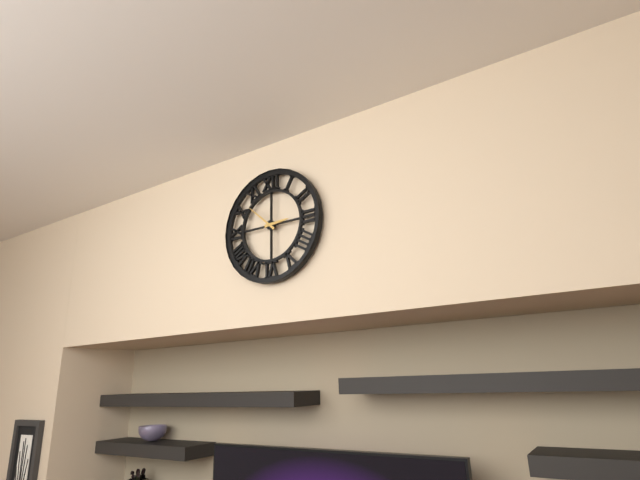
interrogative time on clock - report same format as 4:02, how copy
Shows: 2:52
